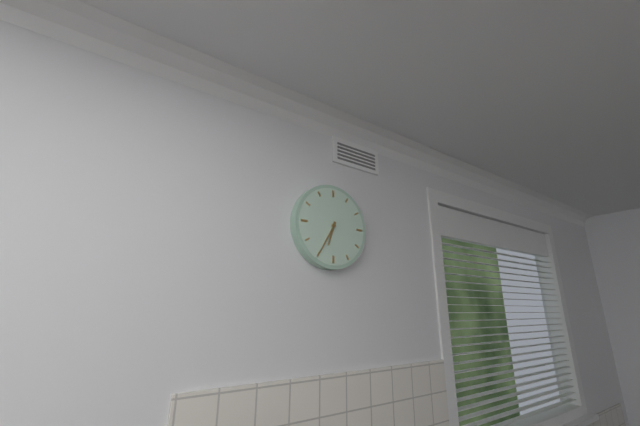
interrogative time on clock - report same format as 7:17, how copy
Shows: 6:35
